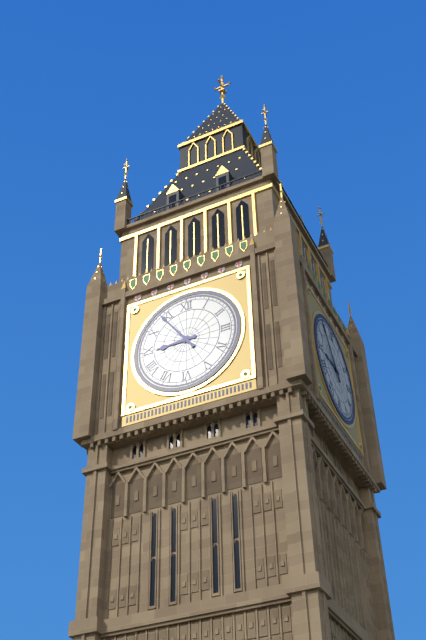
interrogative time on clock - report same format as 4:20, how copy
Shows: 8:54
